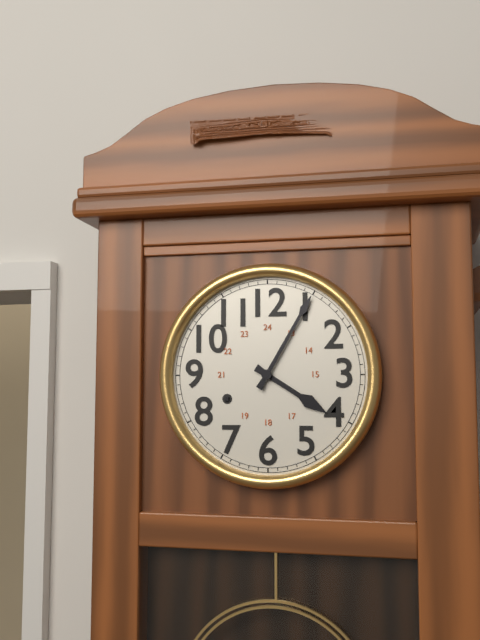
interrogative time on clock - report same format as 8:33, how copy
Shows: 4:05
